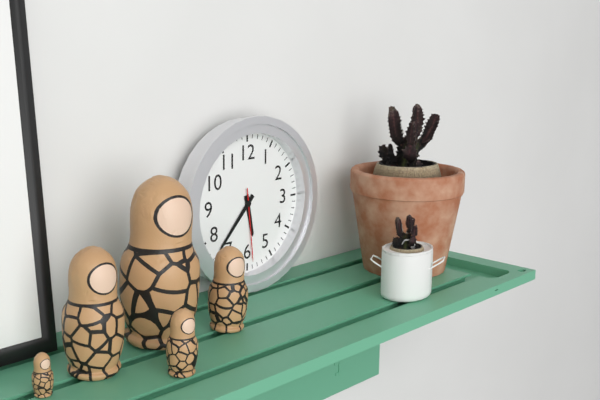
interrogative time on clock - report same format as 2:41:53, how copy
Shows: 5:37:29
